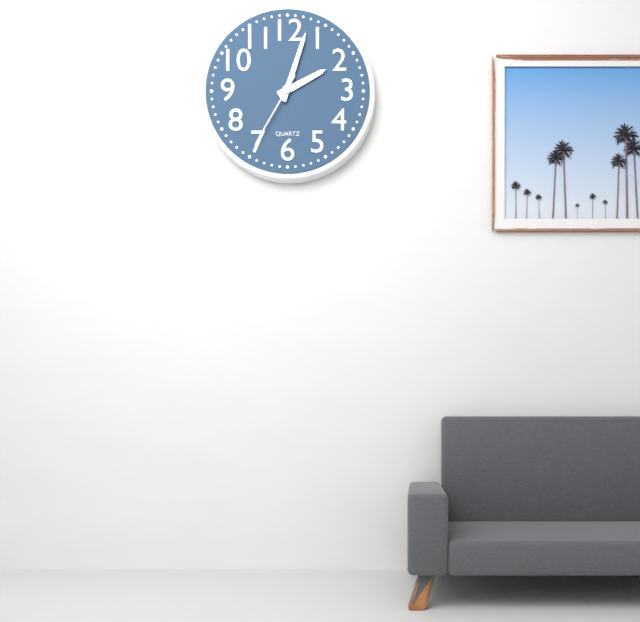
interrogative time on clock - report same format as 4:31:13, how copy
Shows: 2:03:35
